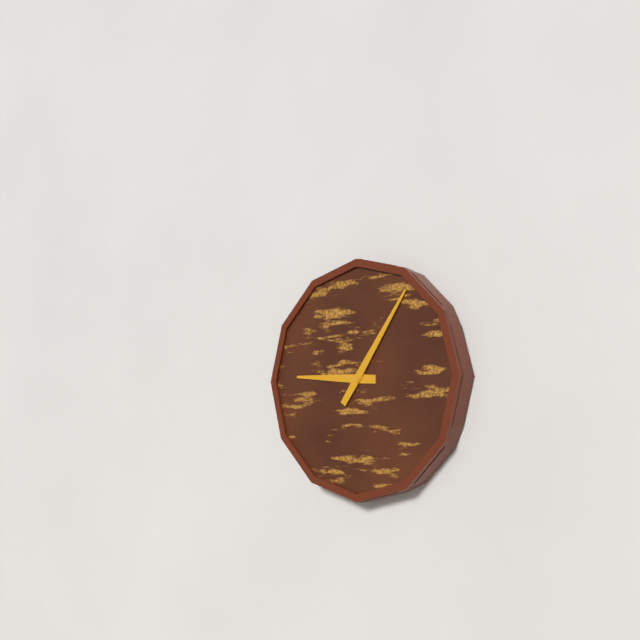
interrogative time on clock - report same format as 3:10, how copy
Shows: 9:06
